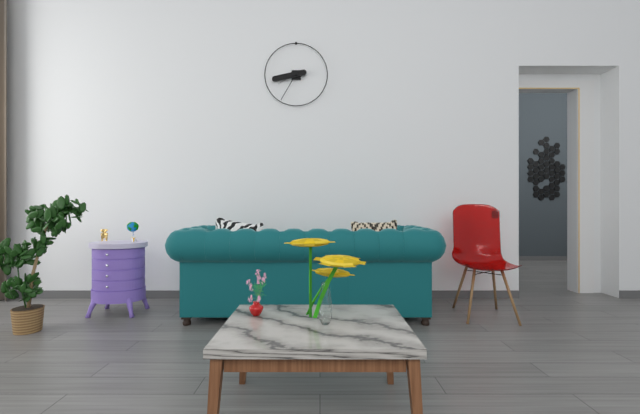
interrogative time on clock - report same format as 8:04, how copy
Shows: 8:35
